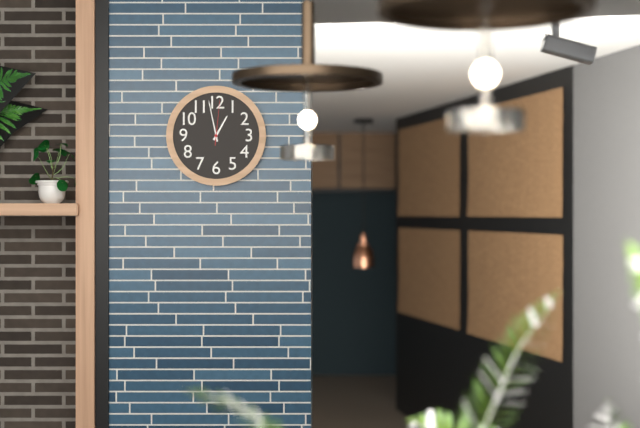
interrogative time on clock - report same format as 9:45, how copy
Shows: 12:58
